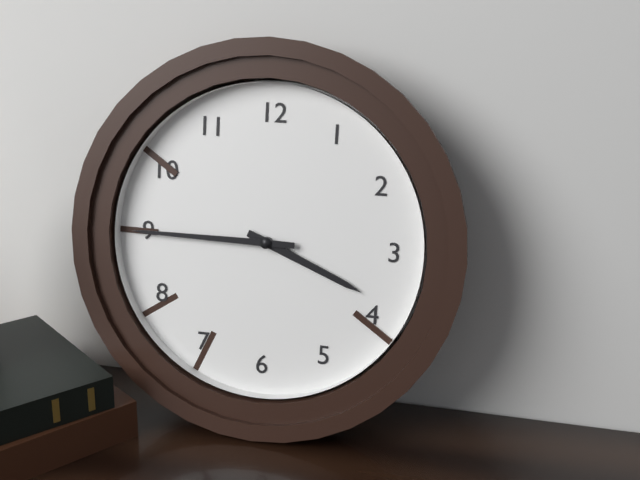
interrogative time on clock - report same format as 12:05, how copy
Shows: 3:45
